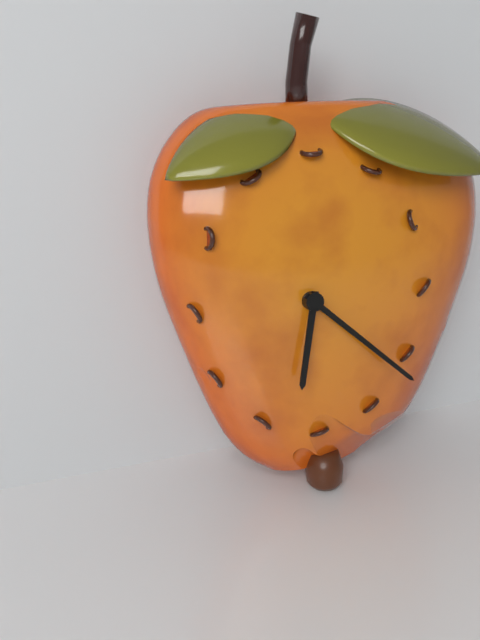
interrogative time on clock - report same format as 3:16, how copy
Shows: 6:22
